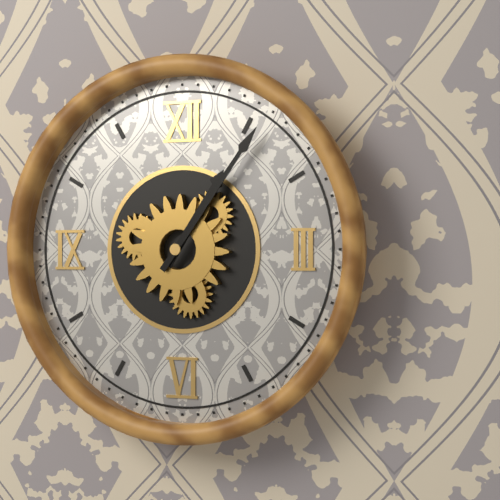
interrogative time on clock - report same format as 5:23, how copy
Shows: 1:06
